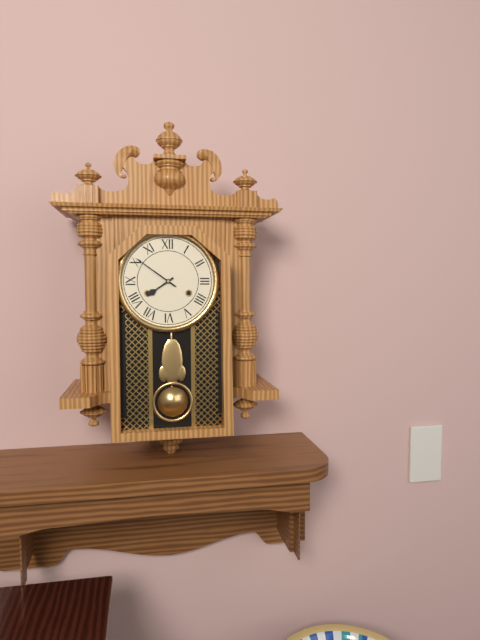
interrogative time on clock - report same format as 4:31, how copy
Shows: 7:51
